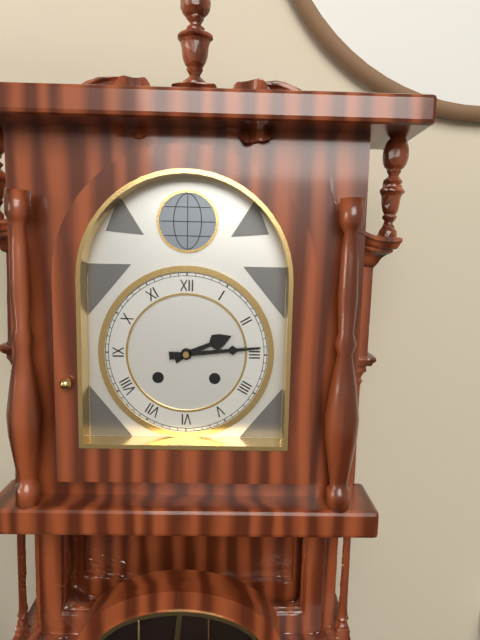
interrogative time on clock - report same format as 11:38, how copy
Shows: 2:14
